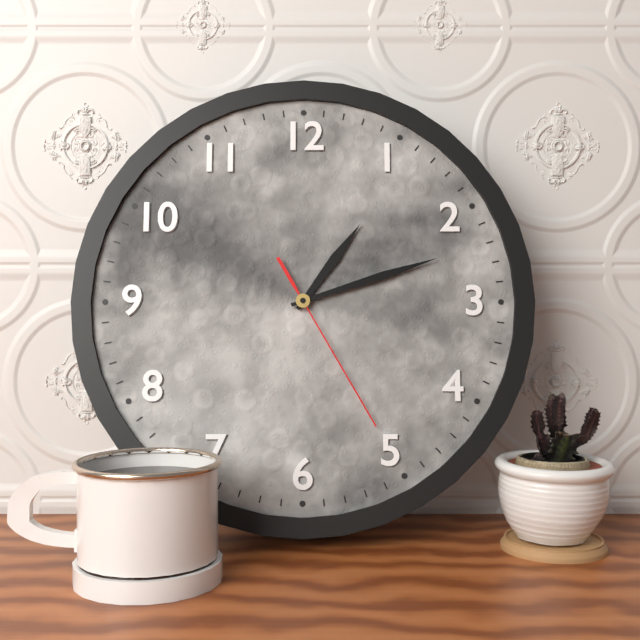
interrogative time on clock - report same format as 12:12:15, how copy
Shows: 1:12:25
